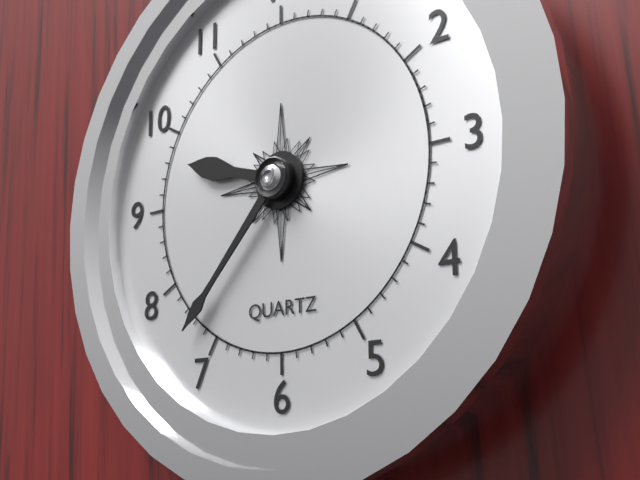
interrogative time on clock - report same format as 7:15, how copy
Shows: 9:37
